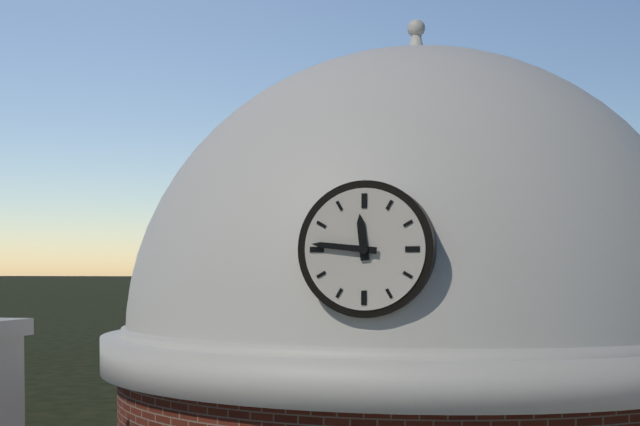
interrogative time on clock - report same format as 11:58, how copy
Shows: 11:46
